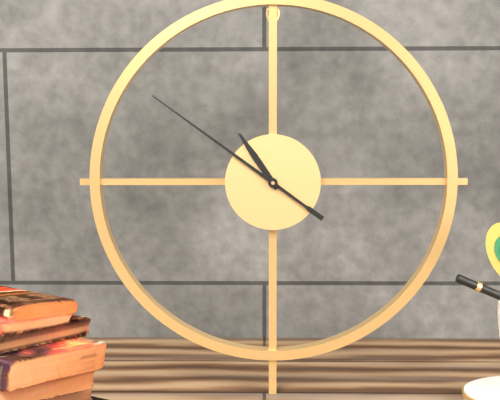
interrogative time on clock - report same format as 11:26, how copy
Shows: 10:51
